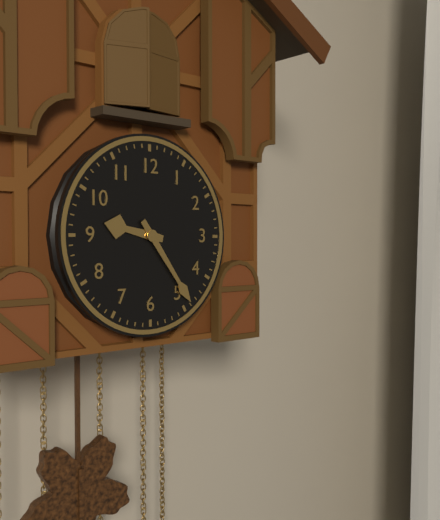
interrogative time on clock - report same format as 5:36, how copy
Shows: 9:24
